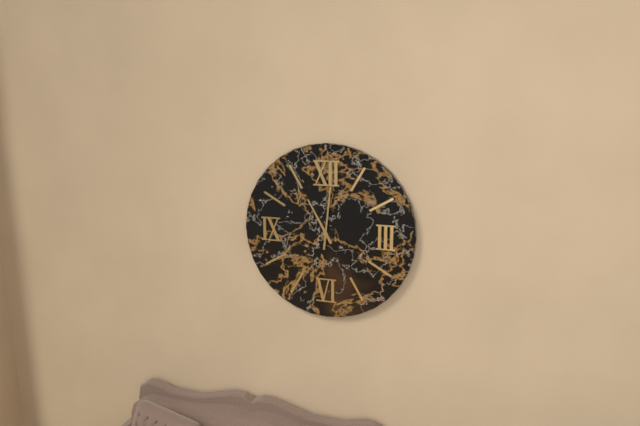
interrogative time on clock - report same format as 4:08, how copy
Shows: 11:01
